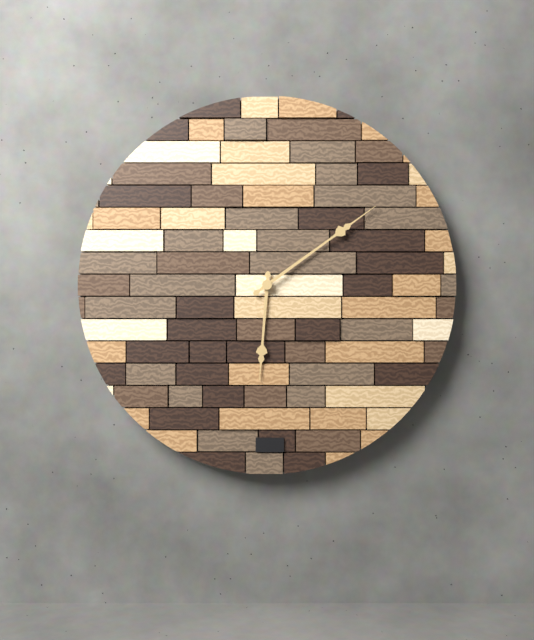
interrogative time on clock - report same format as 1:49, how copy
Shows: 6:09
